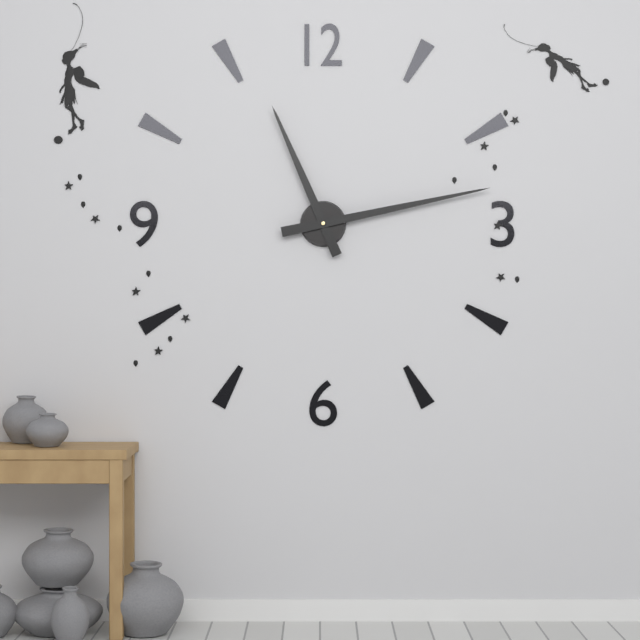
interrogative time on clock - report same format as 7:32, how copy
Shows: 11:13
